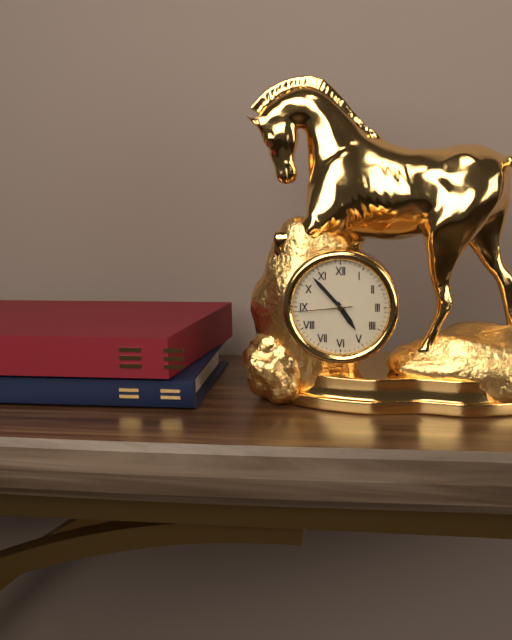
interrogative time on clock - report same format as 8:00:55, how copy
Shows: 4:53:44
